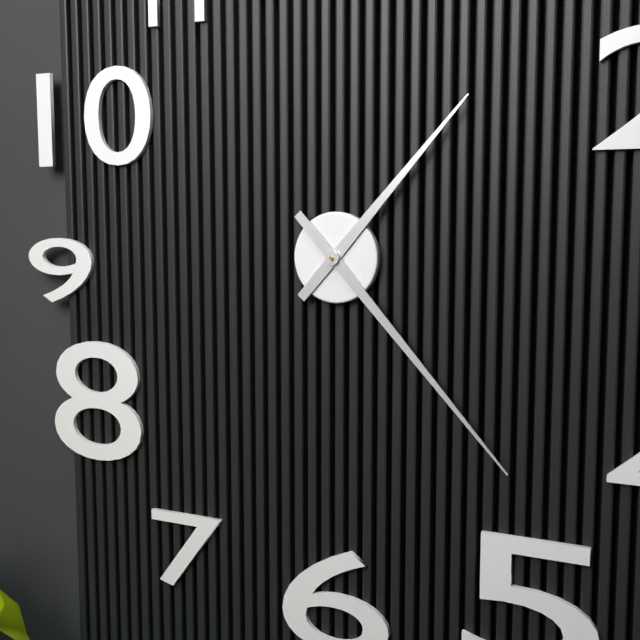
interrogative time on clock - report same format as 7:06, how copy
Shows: 1:23
